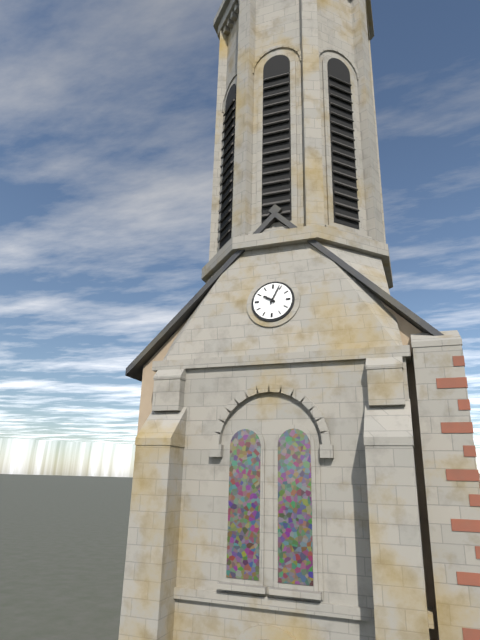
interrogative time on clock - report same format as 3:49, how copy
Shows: 10:04
